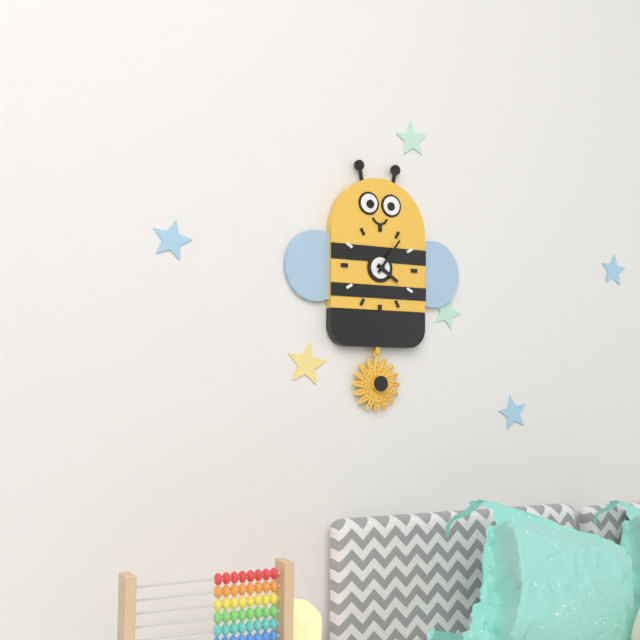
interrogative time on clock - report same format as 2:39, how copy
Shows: 4:06
